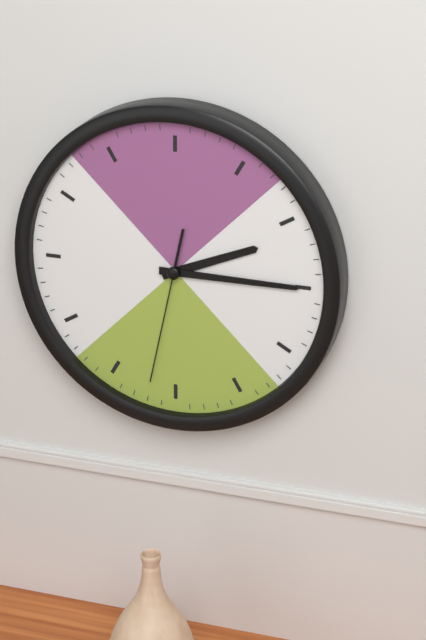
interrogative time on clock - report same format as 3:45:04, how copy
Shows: 2:15:32
